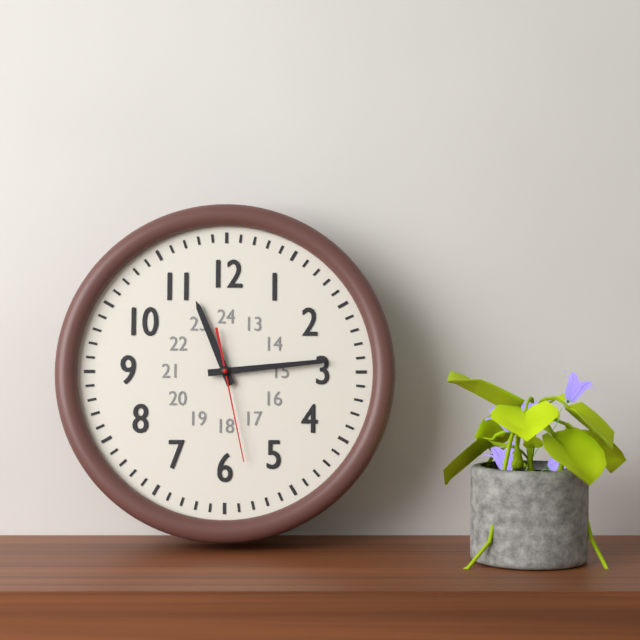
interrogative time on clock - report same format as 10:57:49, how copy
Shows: 11:14:28
